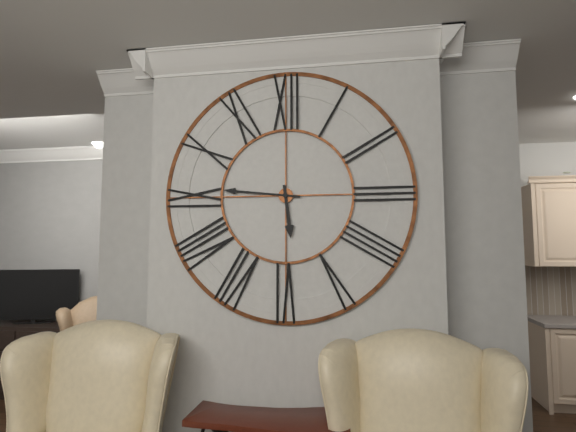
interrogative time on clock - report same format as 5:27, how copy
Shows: 5:46
